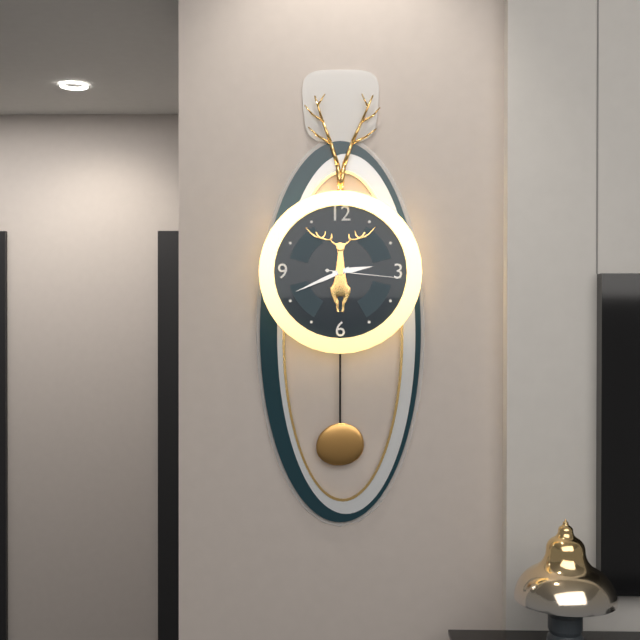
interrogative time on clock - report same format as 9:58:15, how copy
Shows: 2:41:16
